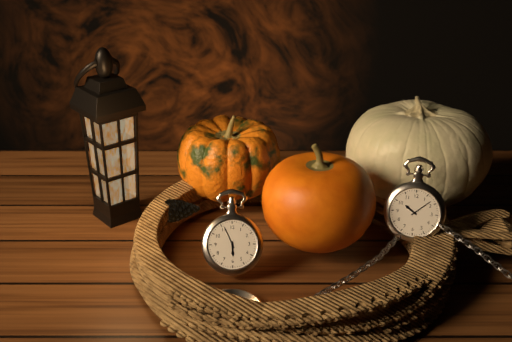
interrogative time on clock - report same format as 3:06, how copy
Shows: 5:56
